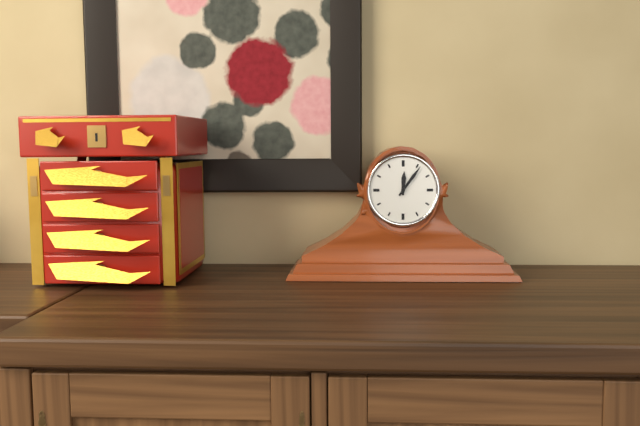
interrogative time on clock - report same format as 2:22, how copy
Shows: 12:06
